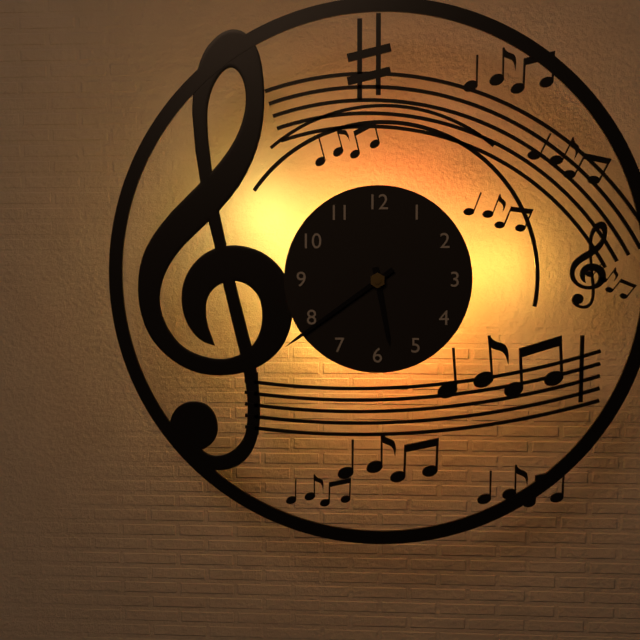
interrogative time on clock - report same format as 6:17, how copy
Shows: 5:39
